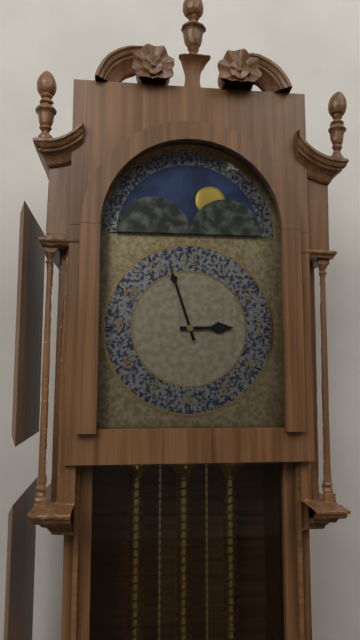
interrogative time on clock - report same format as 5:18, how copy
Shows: 2:57
